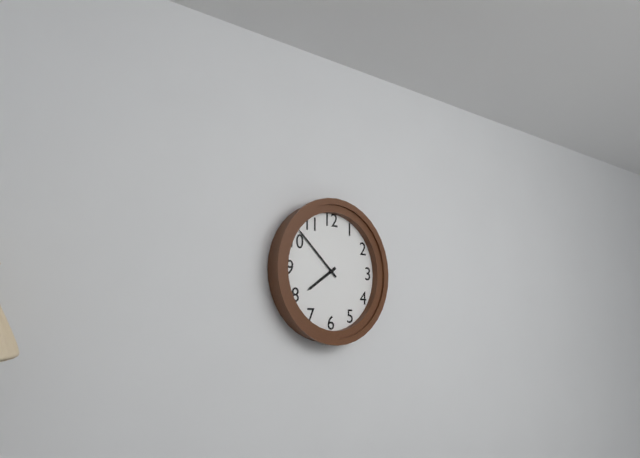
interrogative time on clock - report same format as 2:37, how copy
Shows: 7:52
